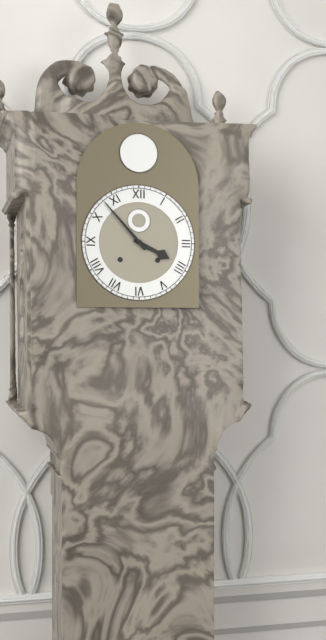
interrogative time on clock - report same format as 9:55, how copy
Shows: 3:53
